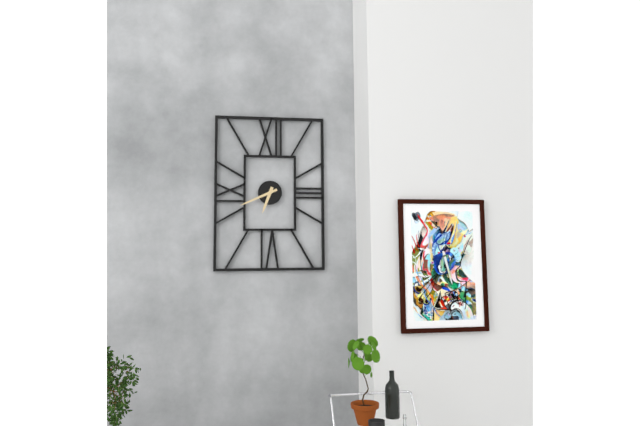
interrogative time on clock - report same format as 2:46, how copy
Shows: 6:41
